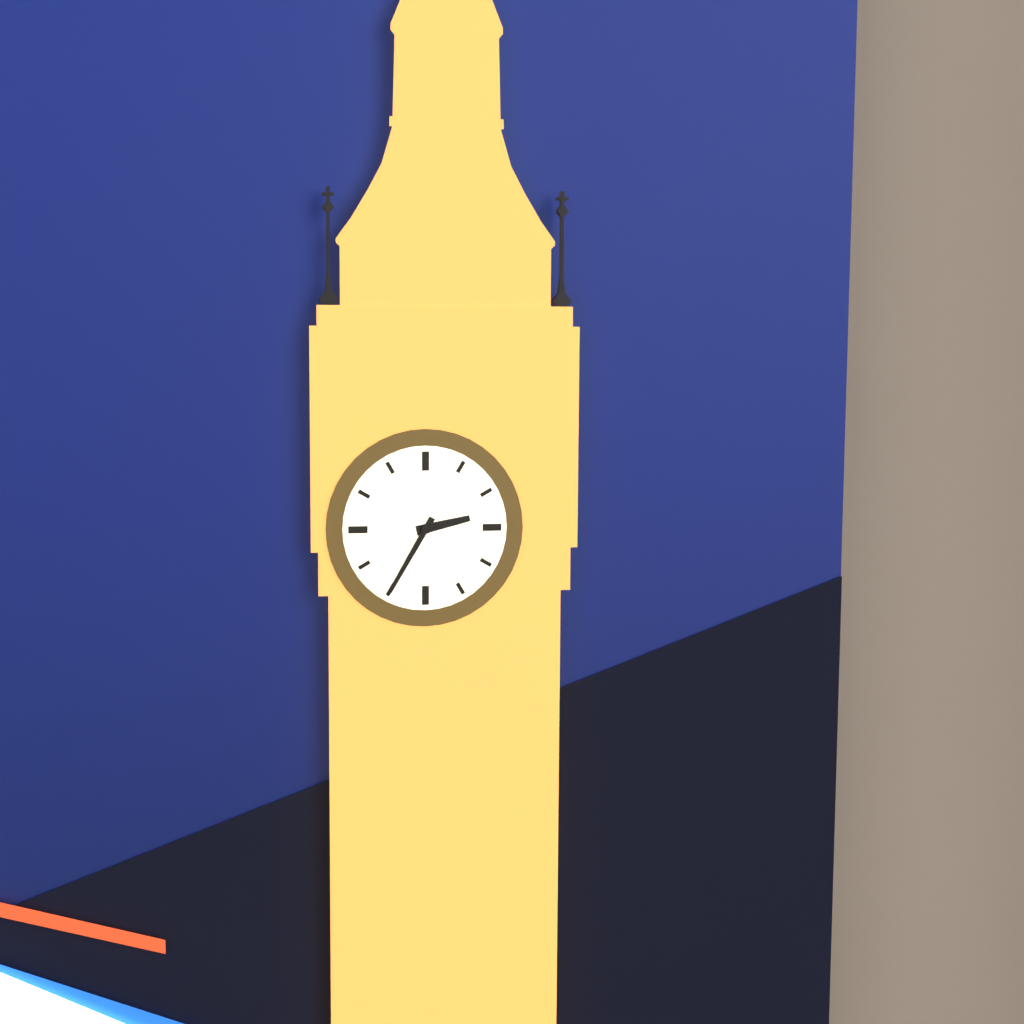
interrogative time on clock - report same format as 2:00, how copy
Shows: 2:35
